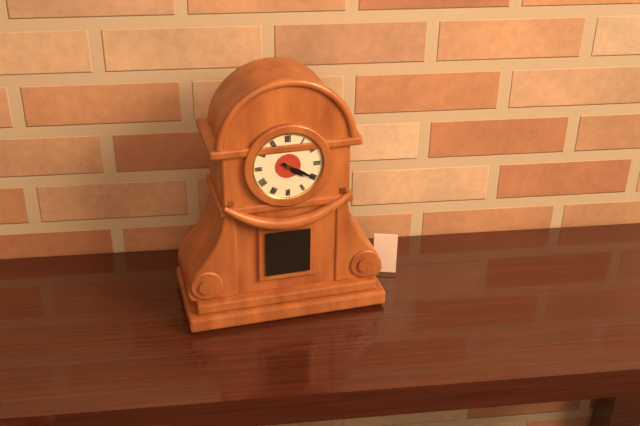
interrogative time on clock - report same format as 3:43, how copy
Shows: 4:20
